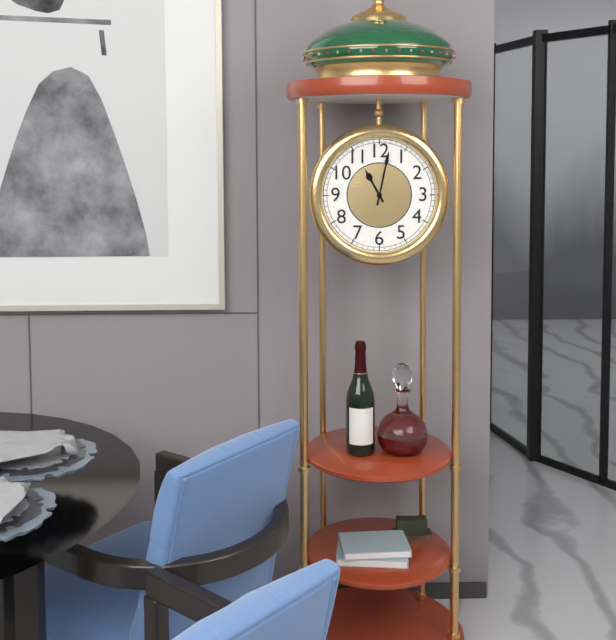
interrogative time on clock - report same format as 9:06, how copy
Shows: 11:02
